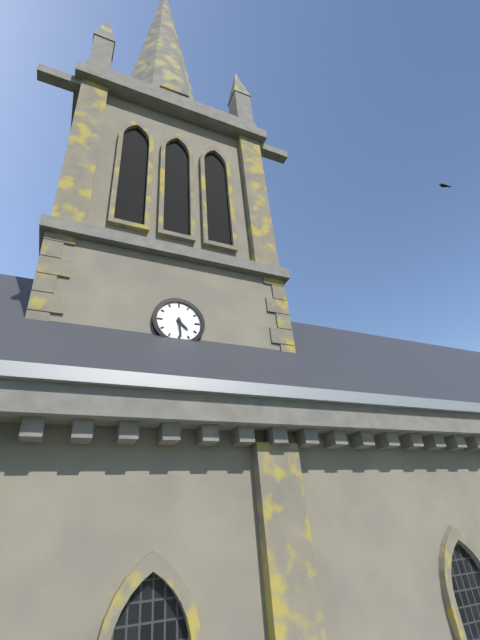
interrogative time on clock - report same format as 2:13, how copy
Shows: 4:29
